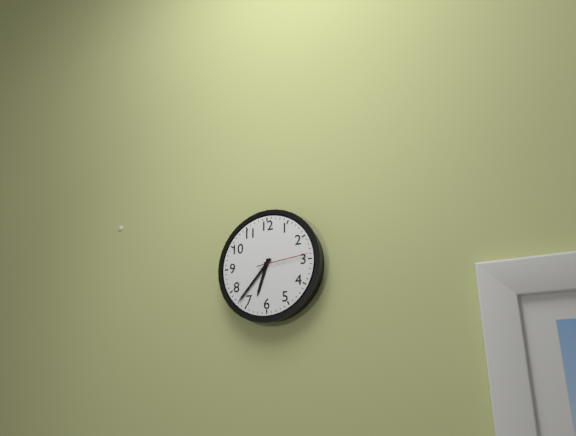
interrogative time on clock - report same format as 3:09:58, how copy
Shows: 6:37:14
